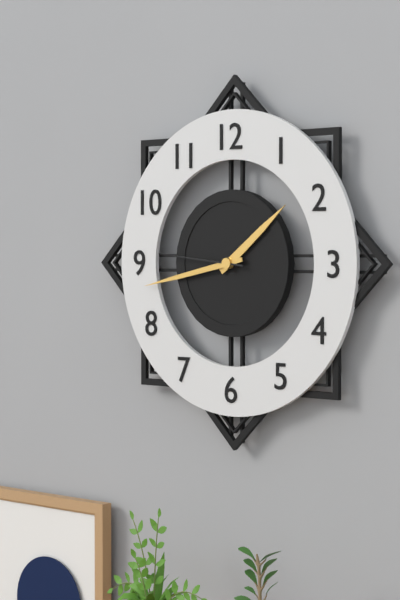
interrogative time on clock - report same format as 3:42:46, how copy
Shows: 1:43:46
